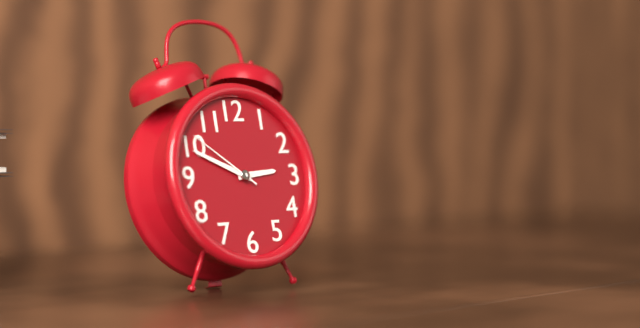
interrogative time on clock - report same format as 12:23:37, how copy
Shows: 2:49:51
